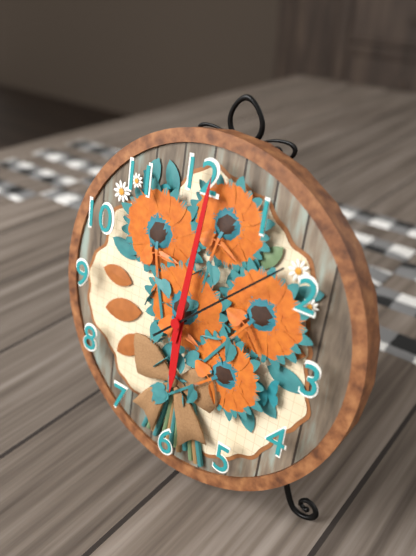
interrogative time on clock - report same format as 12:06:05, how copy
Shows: 6:01:08
